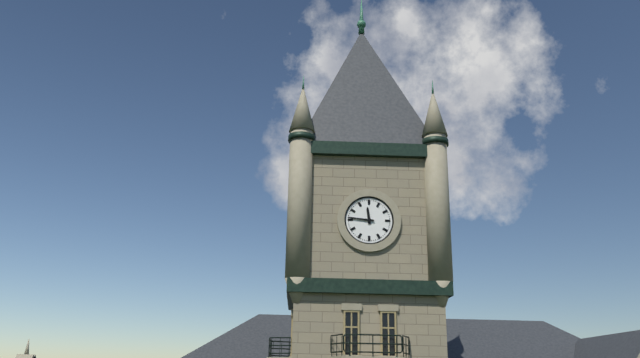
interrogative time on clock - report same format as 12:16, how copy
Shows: 11:46
